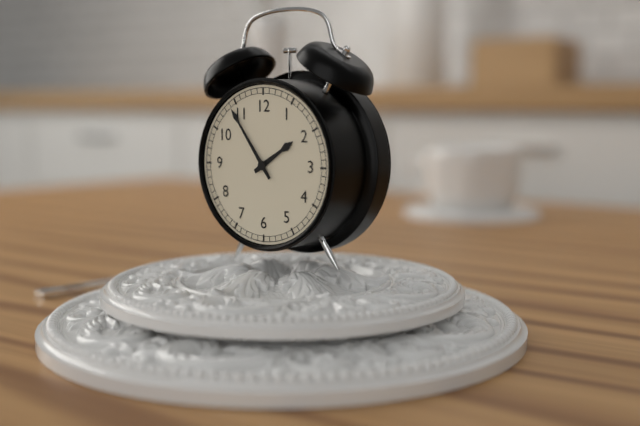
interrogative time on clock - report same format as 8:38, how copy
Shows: 1:54
